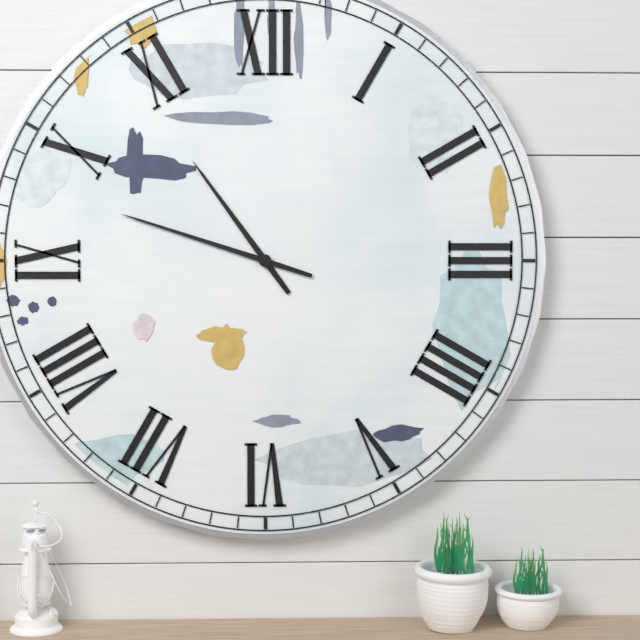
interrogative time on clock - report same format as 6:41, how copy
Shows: 10:48
